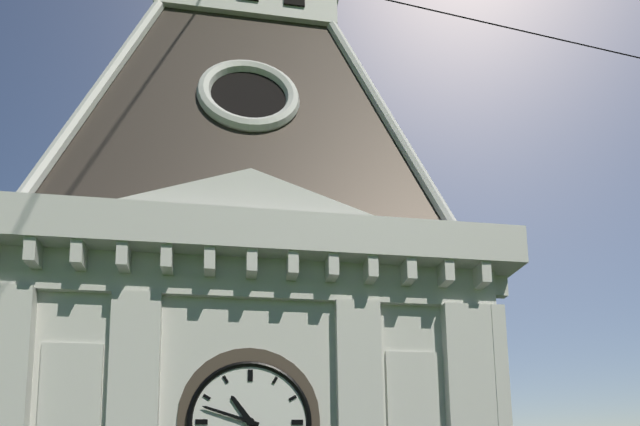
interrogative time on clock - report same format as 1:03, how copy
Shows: 10:48
